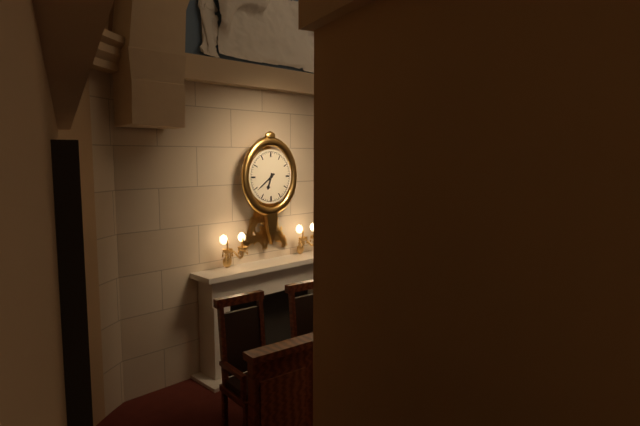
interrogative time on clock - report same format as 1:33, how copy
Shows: 6:39
